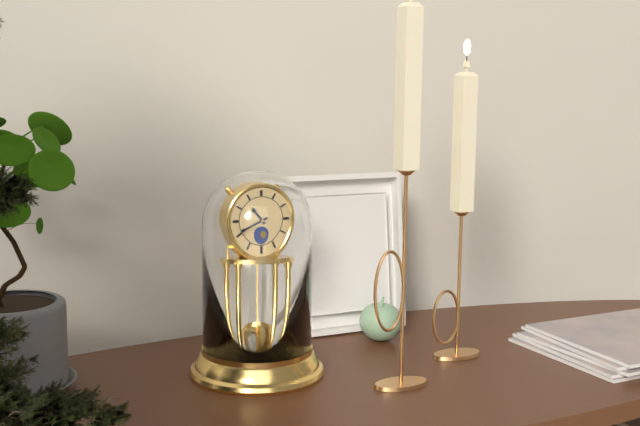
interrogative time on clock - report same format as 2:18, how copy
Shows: 10:41
